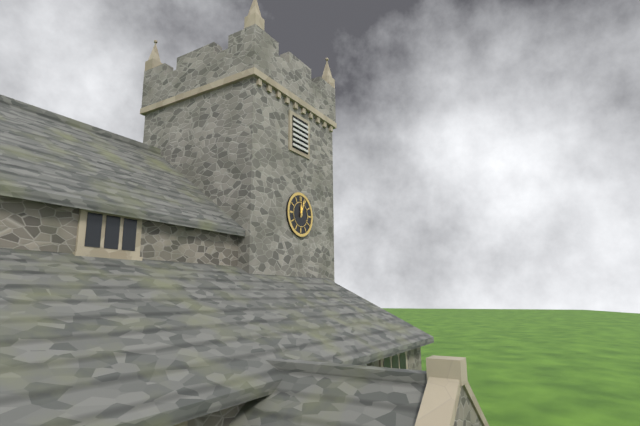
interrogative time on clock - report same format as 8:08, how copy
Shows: 12:03
